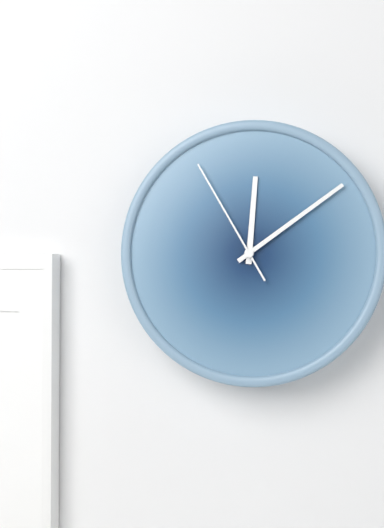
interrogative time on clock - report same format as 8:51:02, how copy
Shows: 12:09:55
